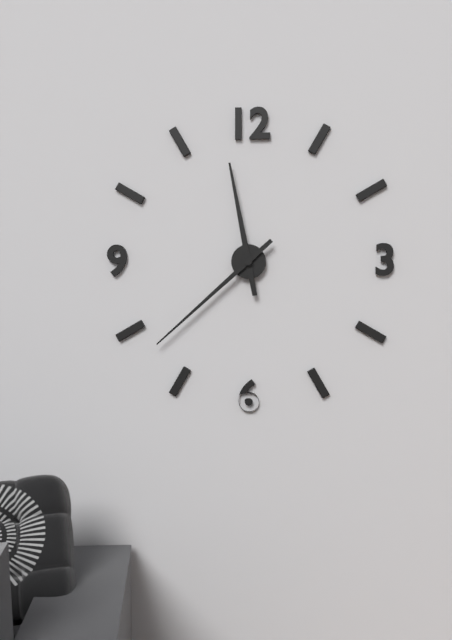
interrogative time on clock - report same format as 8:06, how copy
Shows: 11:38
